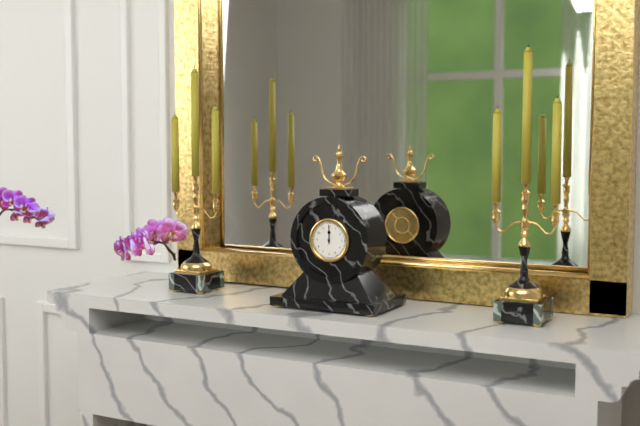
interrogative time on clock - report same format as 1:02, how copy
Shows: 12:00
